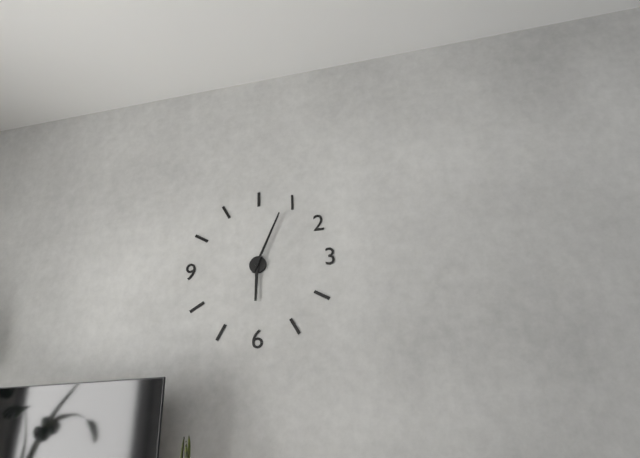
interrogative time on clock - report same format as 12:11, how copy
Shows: 6:04
